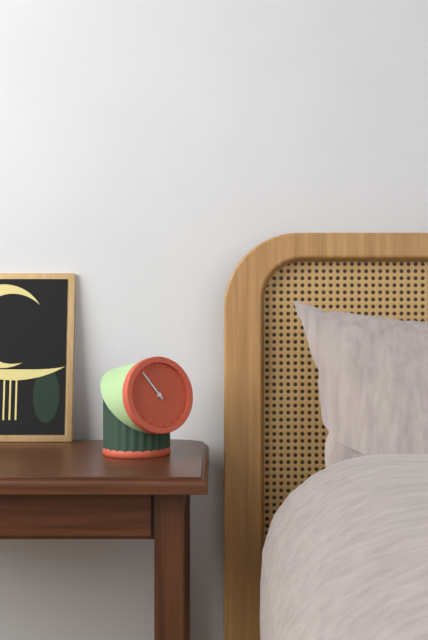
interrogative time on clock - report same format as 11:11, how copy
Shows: 10:54
